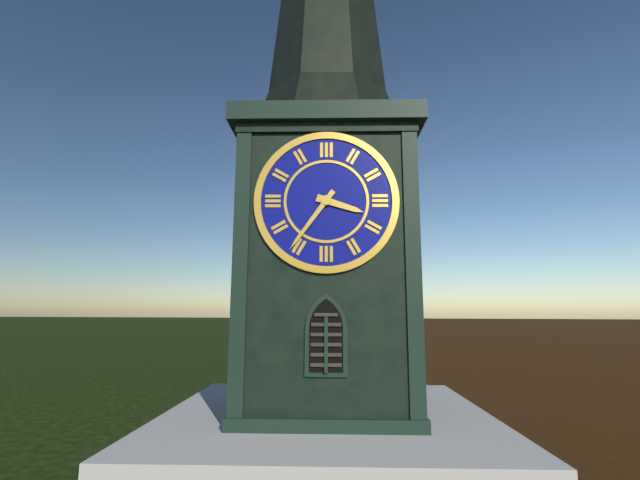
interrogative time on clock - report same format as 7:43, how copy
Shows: 3:36
